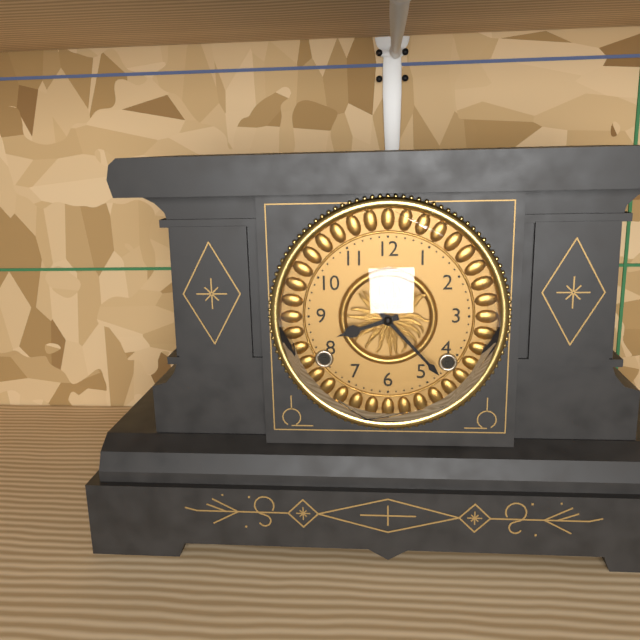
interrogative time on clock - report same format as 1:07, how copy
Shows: 8:23
